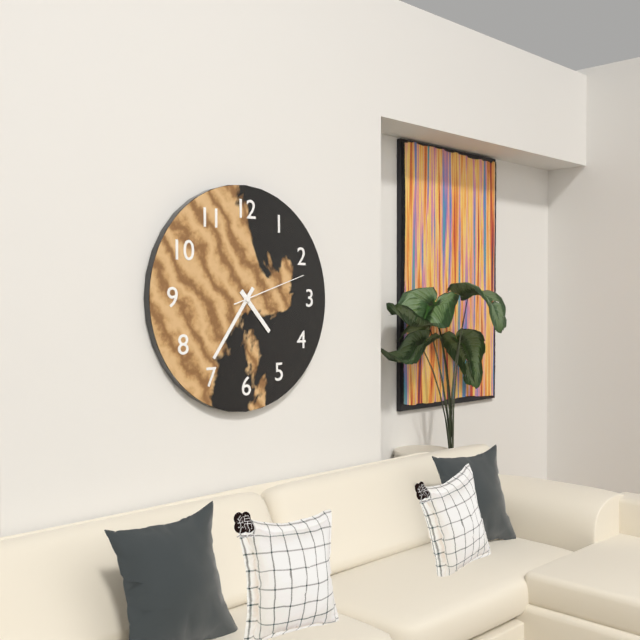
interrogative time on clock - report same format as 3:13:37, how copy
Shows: 4:36:12
